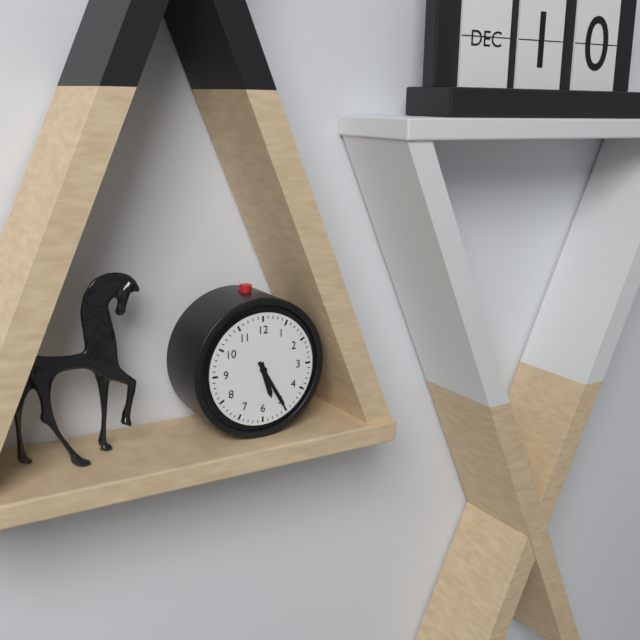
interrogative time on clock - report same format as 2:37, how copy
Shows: 5:25
